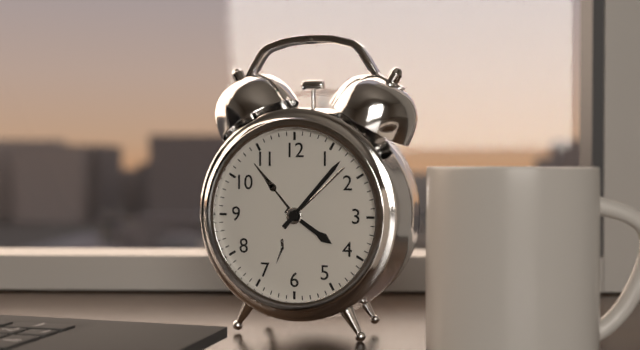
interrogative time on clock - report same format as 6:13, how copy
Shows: 4:07
